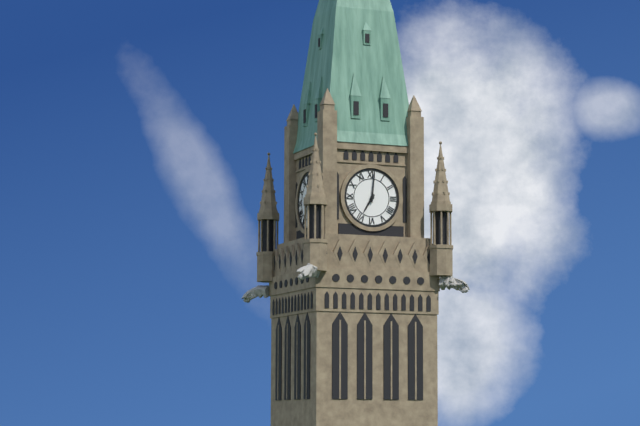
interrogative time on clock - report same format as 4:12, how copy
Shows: 7:01
